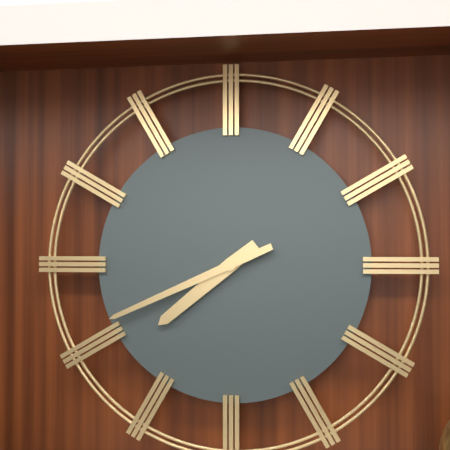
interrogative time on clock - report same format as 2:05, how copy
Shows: 7:41
